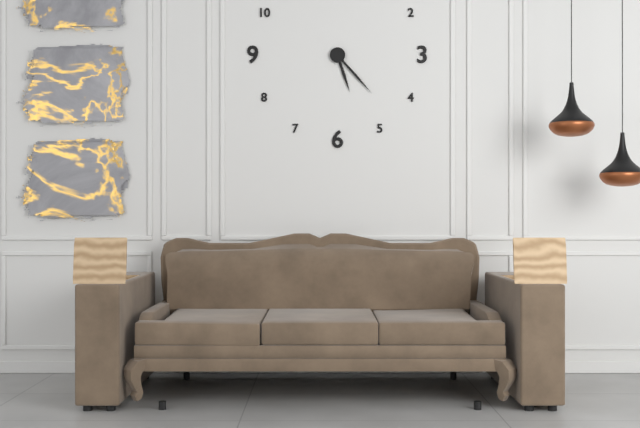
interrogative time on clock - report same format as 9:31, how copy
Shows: 5:23
